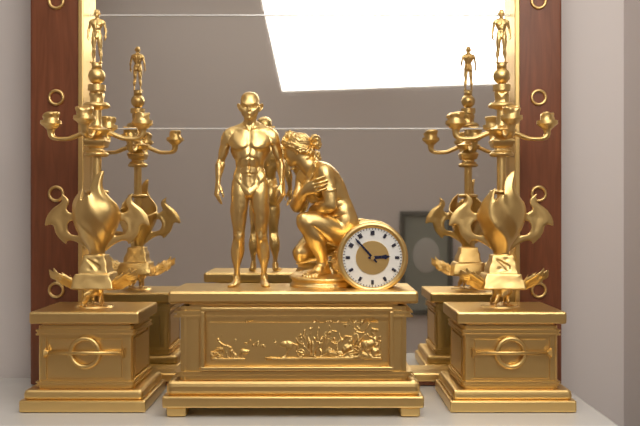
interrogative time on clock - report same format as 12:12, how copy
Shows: 2:53
